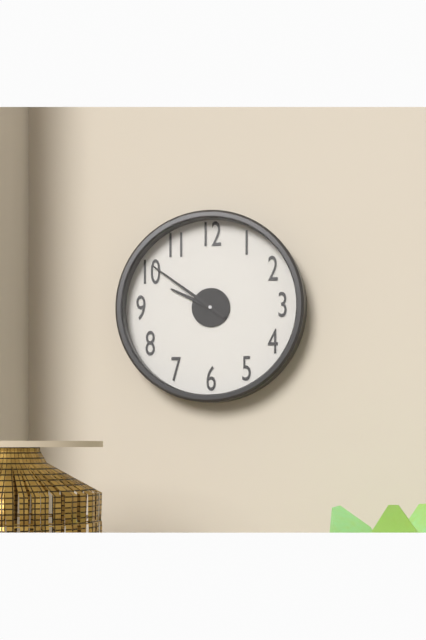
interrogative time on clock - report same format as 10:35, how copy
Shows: 9:51
